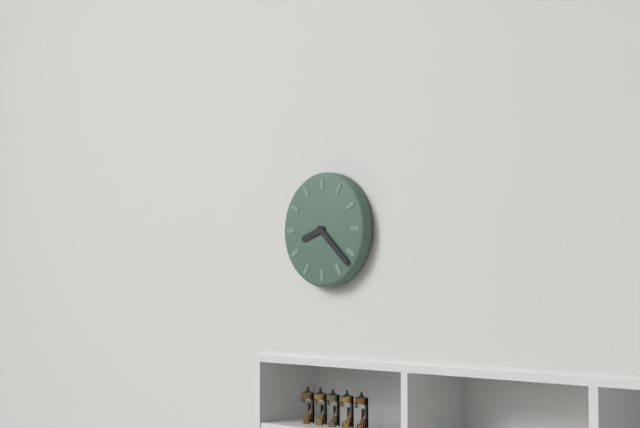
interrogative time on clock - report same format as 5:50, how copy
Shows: 8:22
